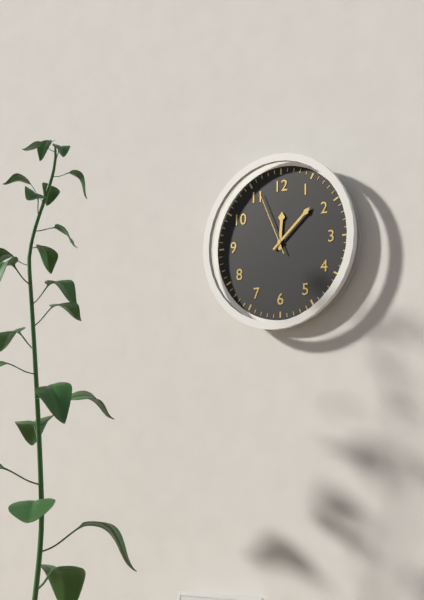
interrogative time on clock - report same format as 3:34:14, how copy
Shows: 12:08:56
